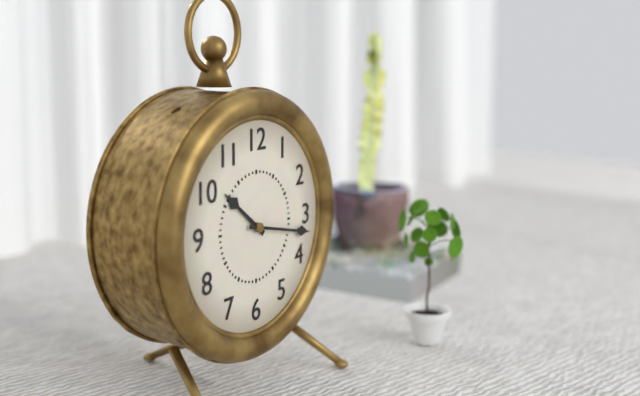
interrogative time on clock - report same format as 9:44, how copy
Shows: 10:17
